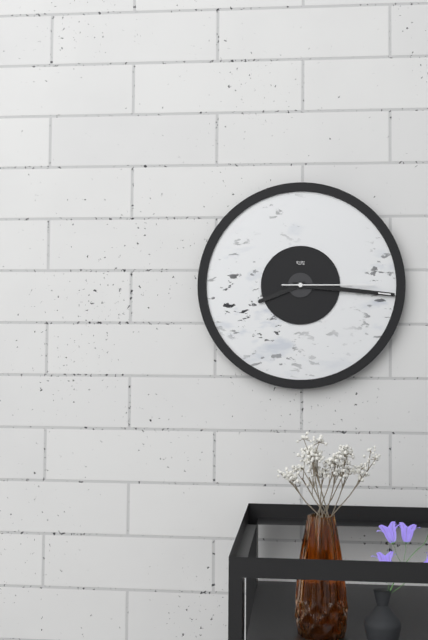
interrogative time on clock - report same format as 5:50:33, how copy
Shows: 8:16:15
